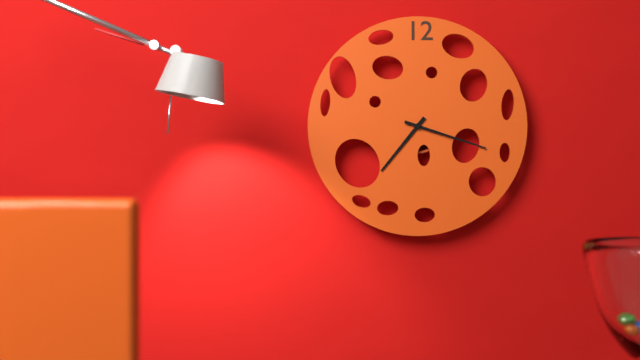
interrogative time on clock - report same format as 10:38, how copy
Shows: 7:18
